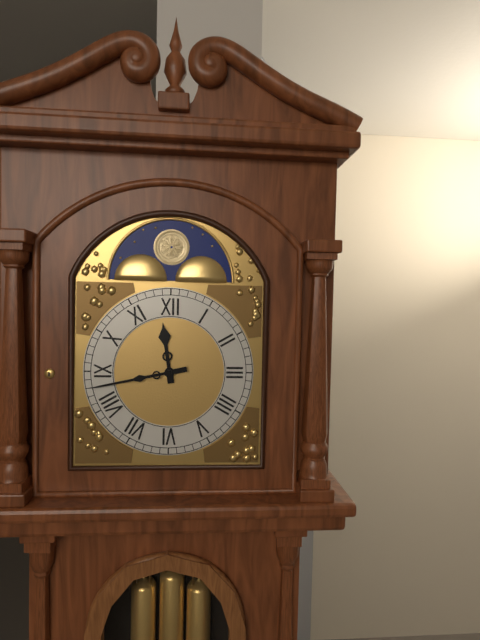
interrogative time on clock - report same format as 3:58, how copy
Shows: 11:43
